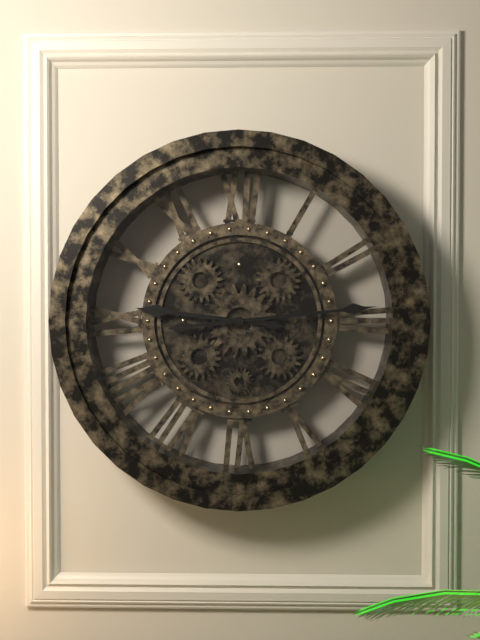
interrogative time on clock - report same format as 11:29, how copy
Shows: 9:14
